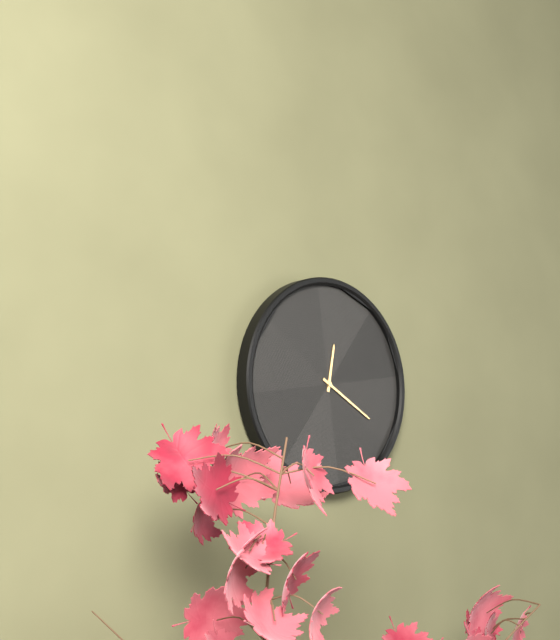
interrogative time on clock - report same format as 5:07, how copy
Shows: 12:20
